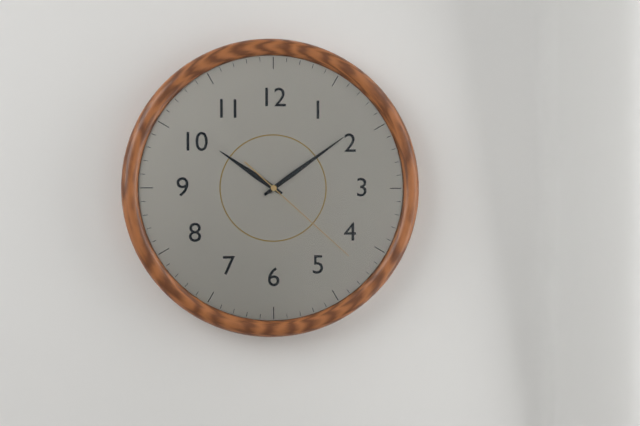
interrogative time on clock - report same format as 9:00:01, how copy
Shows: 10:09:22
